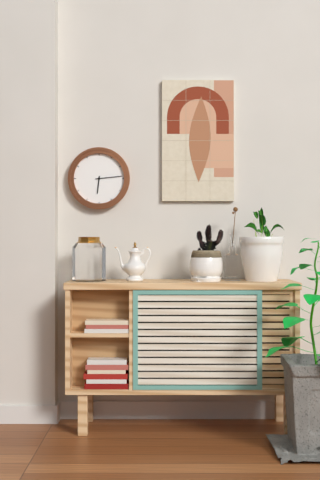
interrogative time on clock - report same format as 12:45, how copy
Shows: 6:14
